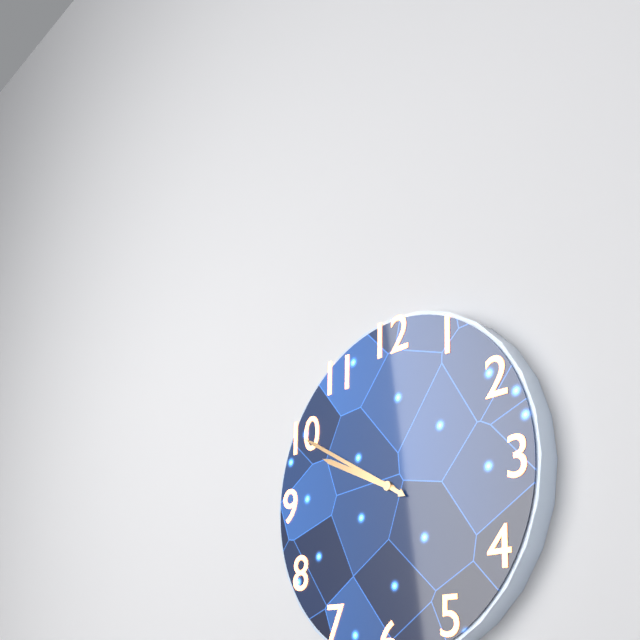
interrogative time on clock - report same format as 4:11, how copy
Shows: 9:50
